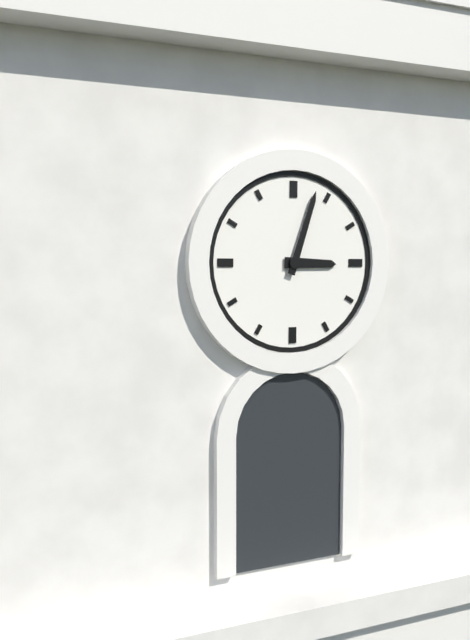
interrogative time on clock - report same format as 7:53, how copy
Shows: 3:03
